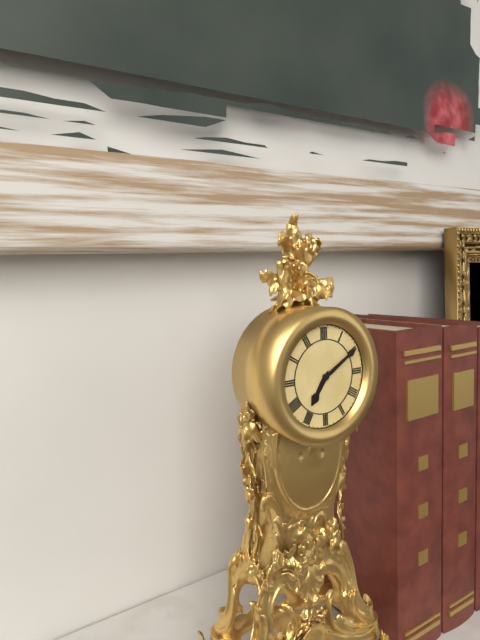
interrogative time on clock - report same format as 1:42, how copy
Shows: 7:10
